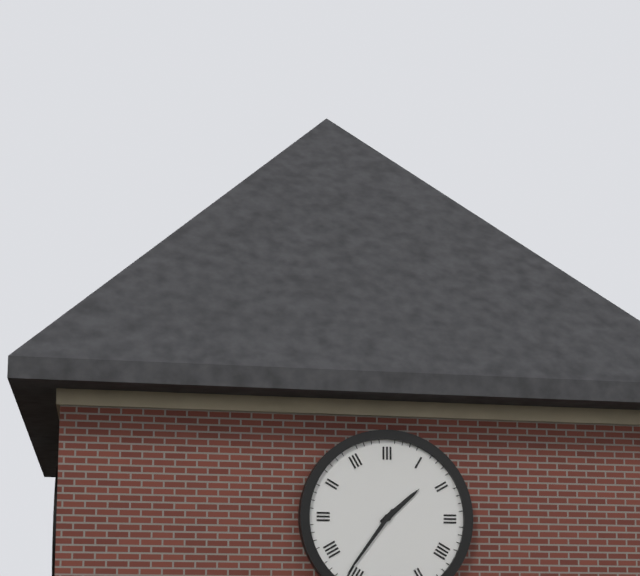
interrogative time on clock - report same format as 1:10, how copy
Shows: 1:36
